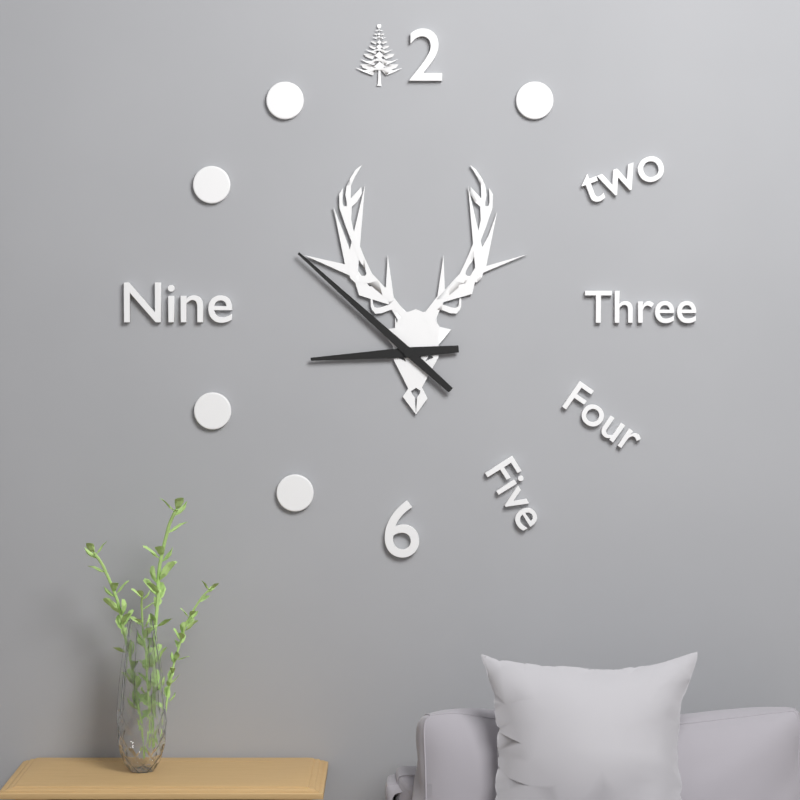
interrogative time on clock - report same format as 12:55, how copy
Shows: 8:52
